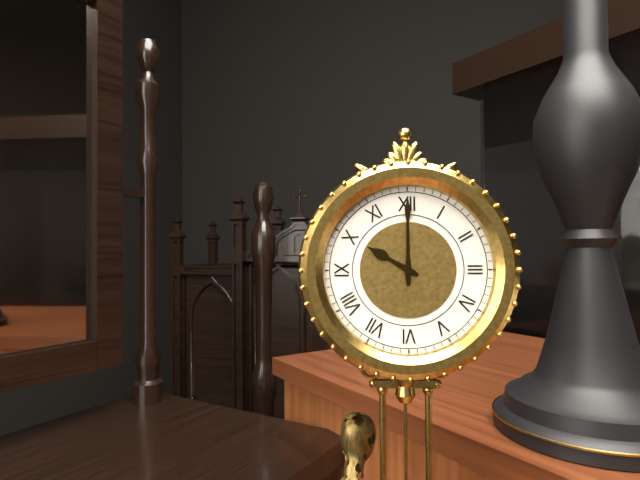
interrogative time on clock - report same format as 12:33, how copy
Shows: 10:00
